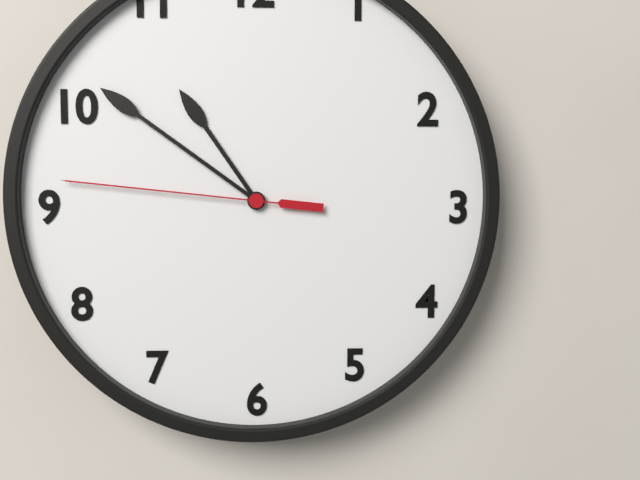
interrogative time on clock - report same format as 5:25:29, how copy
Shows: 10:51:46
